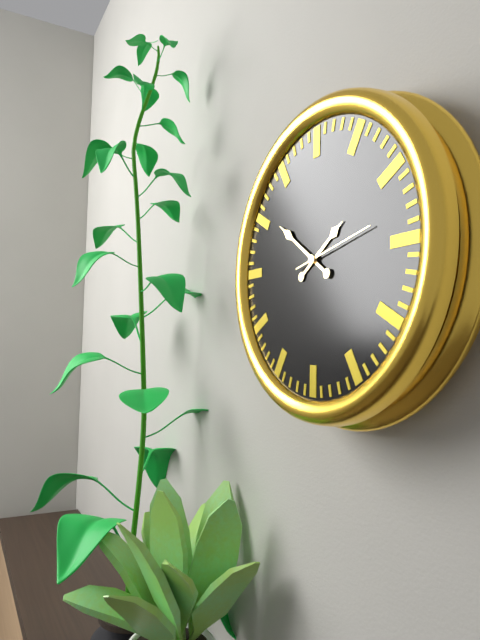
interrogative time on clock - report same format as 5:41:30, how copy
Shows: 1:51:13
